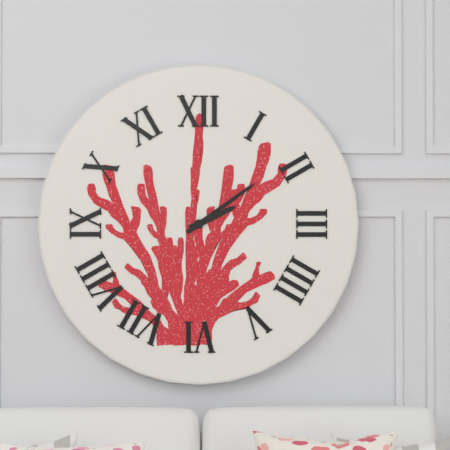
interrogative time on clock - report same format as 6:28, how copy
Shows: 2:09
